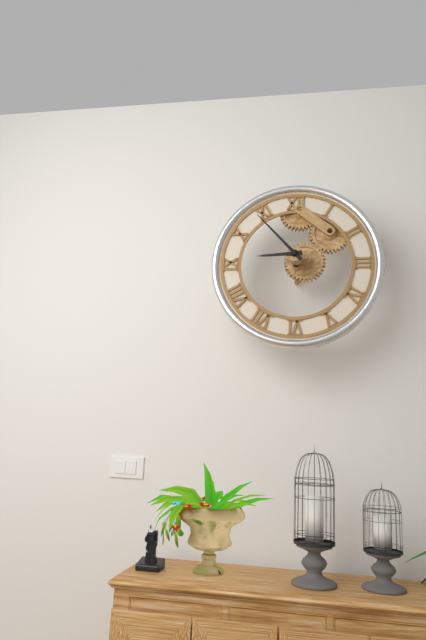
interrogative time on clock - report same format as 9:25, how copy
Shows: 8:53
